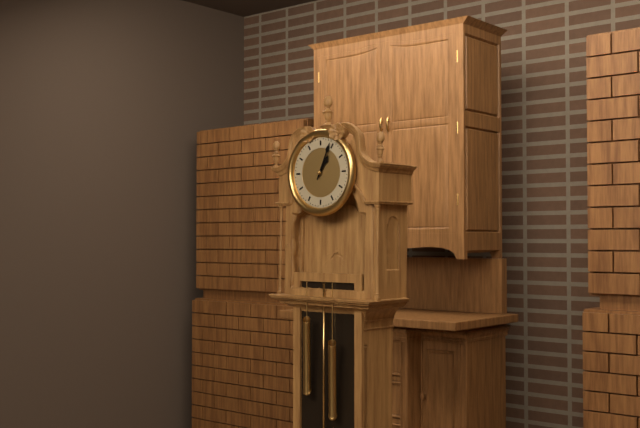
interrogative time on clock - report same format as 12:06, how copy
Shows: 1:04
